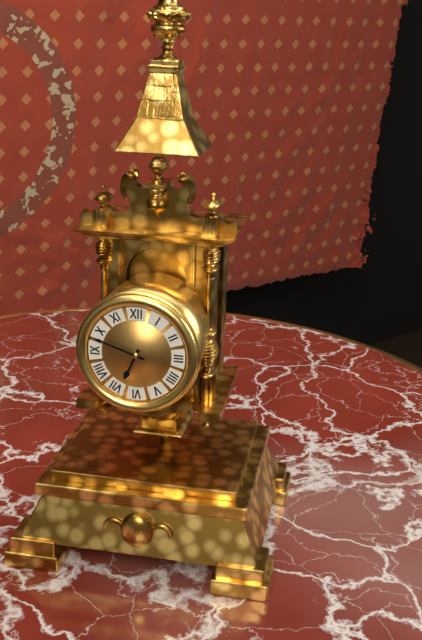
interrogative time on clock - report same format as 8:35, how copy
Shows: 6:48
